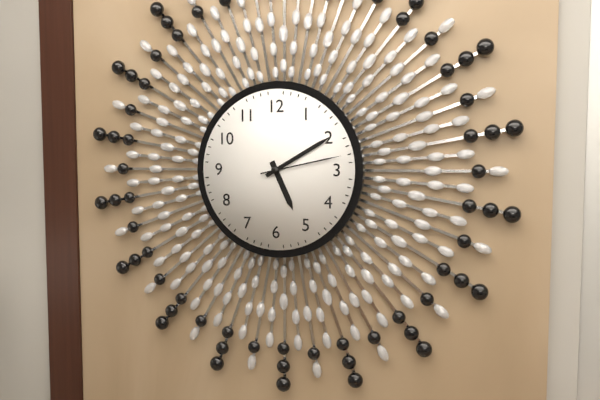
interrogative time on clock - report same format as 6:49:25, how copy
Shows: 5:10:13
